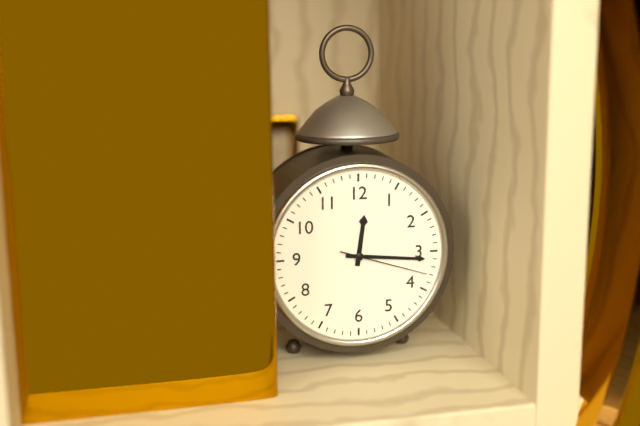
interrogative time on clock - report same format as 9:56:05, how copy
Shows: 12:16:18
